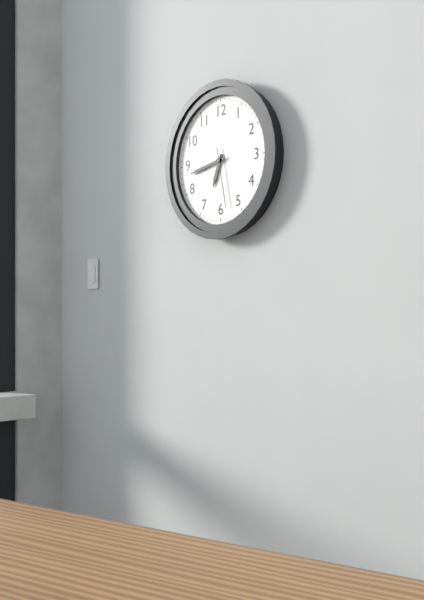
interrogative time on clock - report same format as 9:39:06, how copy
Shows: 6:43:28
